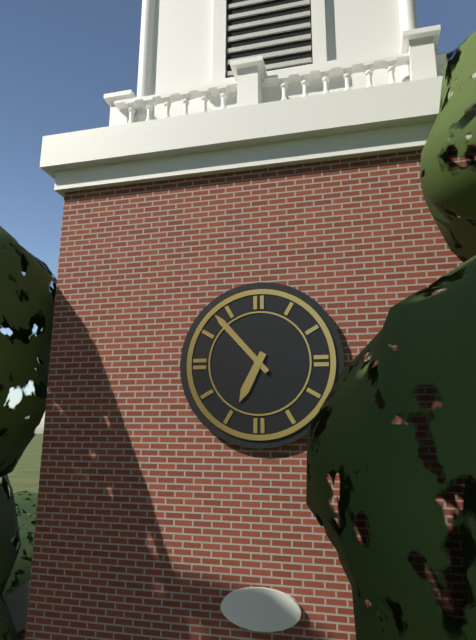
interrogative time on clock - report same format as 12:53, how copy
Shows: 6:53
